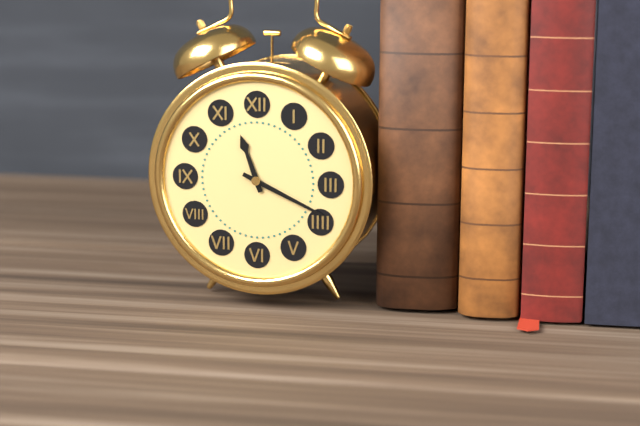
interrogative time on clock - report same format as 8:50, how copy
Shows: 11:19
